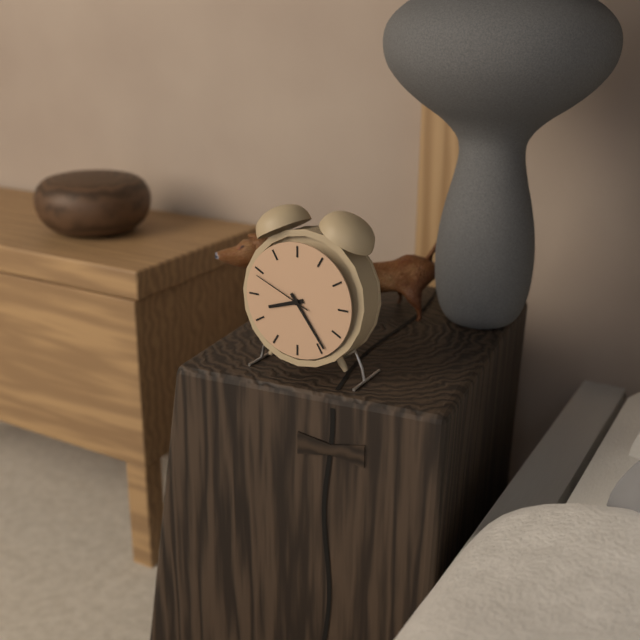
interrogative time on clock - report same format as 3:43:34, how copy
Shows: 8:24:49
